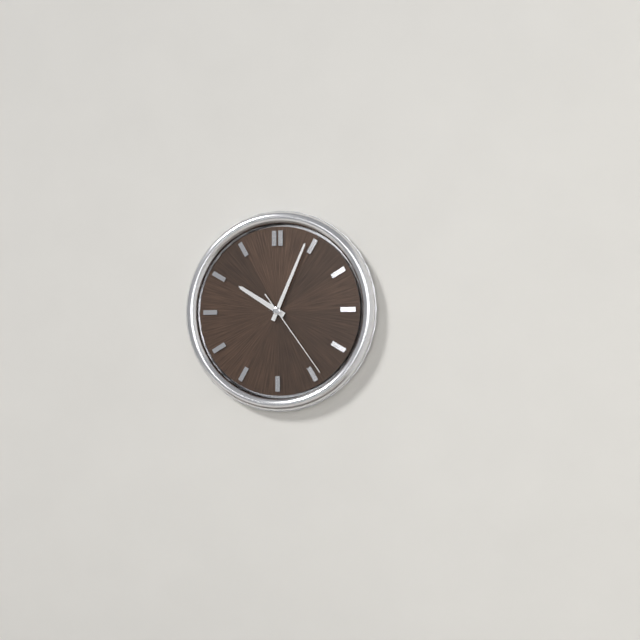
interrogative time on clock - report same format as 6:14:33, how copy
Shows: 10:04:24
